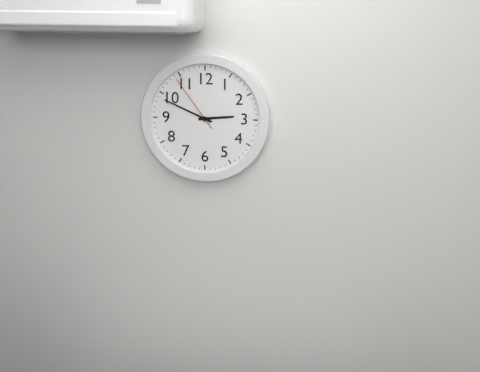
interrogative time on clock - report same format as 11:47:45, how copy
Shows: 2:49:54
